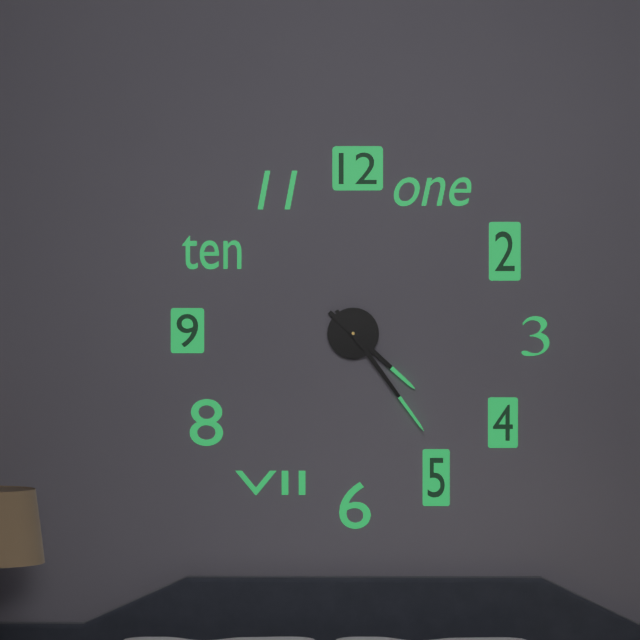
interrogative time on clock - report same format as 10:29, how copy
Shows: 4:24
